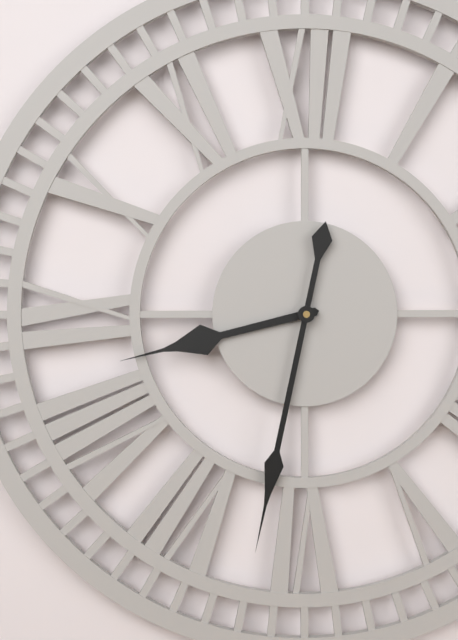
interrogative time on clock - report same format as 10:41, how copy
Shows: 8:32
